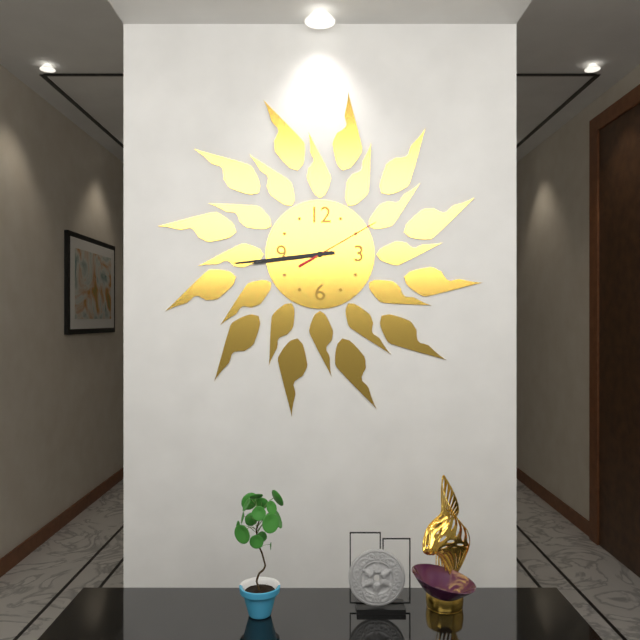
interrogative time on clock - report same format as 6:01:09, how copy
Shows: 8:44:10
